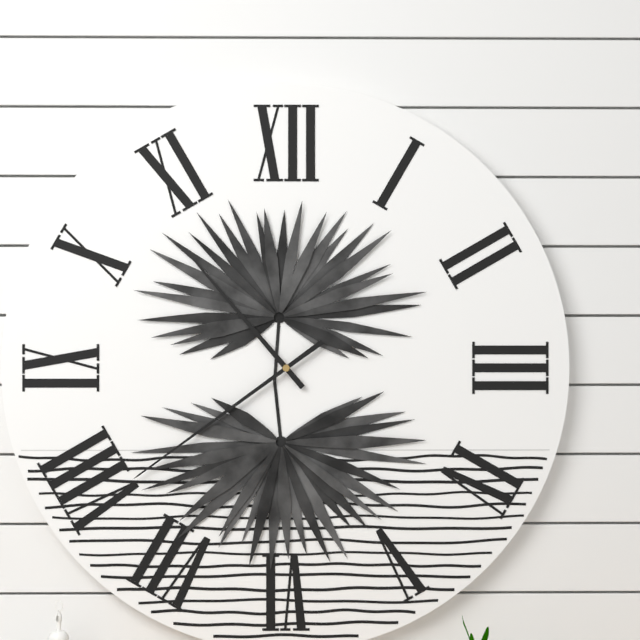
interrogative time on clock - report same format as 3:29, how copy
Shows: 10:39
